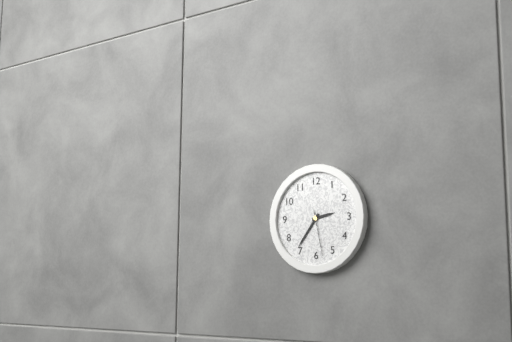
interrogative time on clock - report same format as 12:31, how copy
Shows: 2:36
